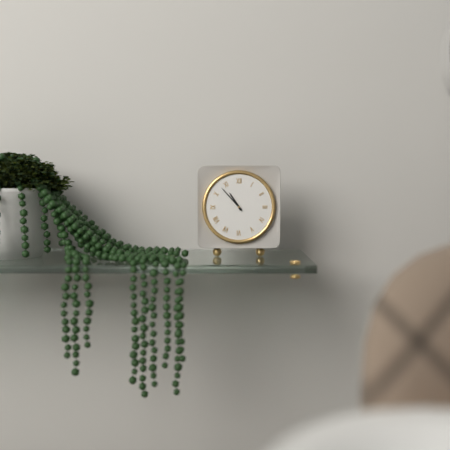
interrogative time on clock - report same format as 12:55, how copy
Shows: 10:53
